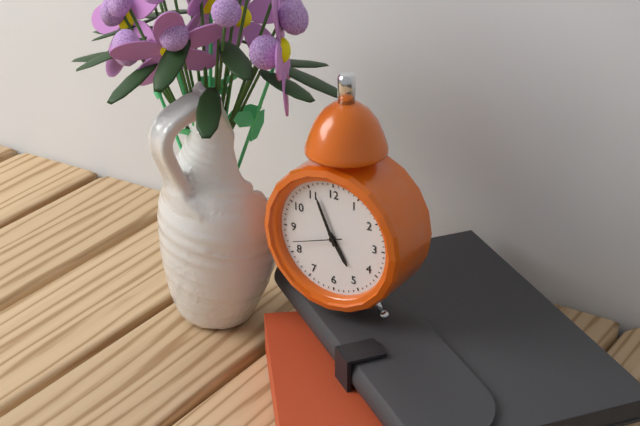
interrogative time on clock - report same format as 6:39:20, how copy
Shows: 4:56:42
